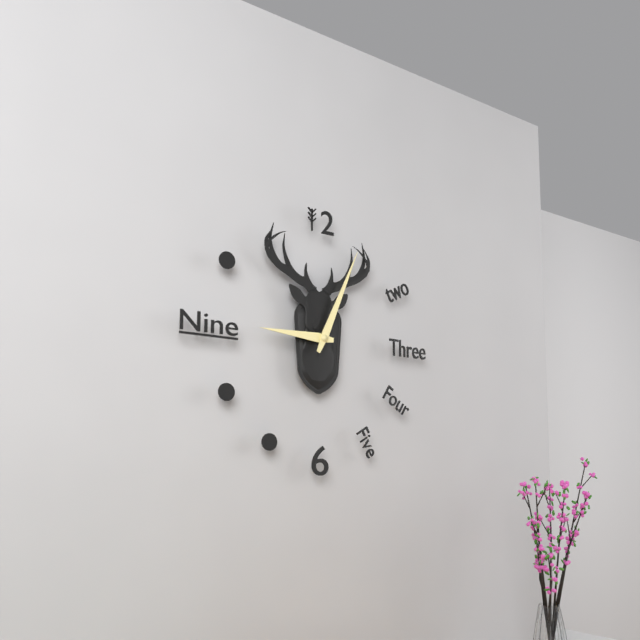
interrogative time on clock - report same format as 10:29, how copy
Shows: 9:04
